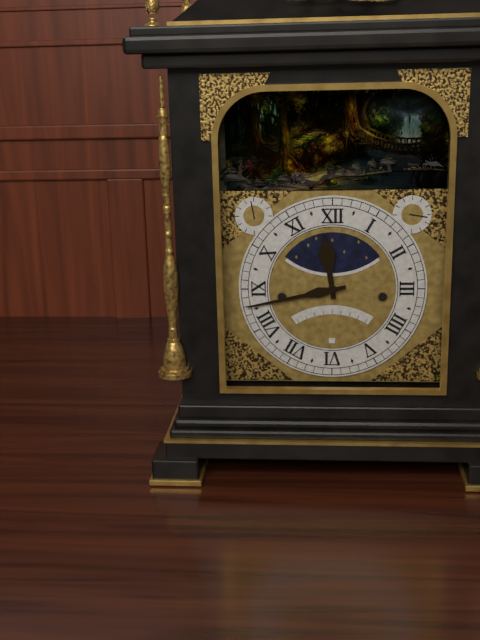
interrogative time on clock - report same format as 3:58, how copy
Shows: 11:43
